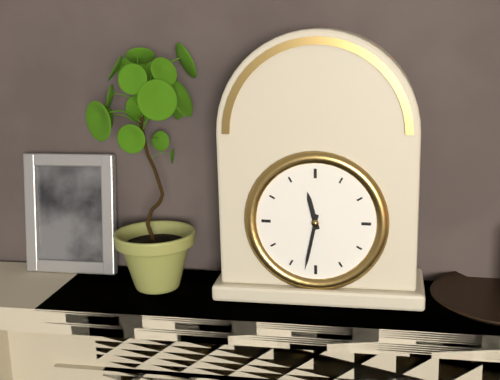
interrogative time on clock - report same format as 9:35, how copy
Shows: 11:32
